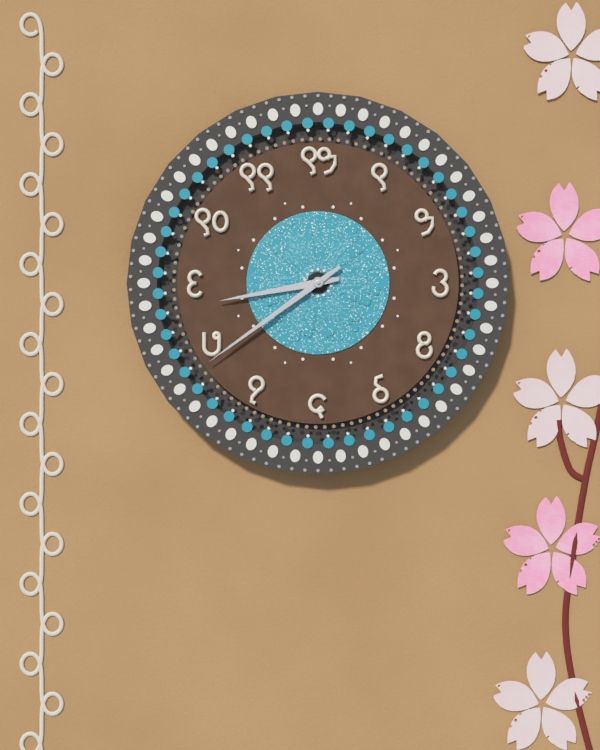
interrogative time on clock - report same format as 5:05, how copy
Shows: 8:39
